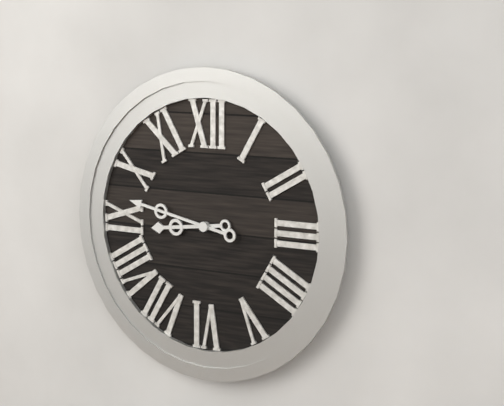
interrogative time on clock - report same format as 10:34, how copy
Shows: 8:47
